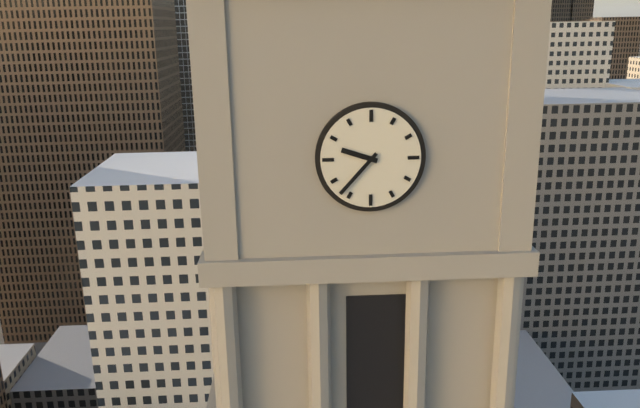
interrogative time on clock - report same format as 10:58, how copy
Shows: 9:37
